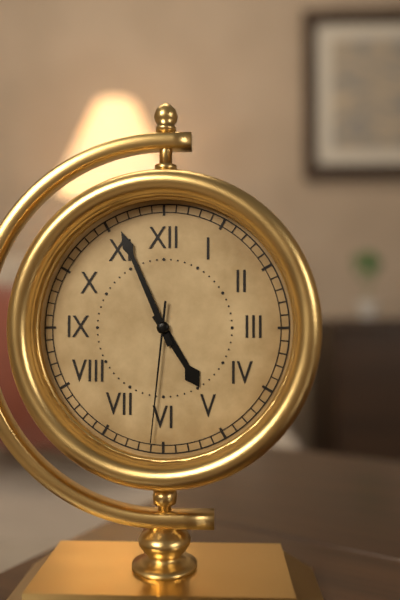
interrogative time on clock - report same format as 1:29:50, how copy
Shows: 4:56:31
